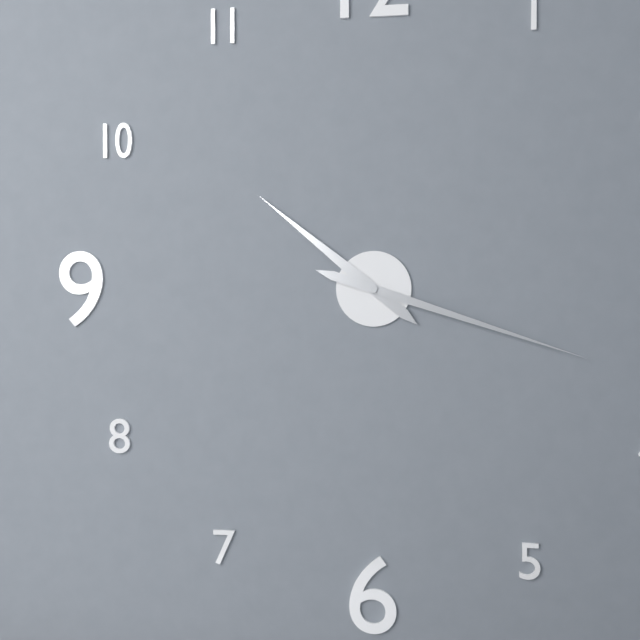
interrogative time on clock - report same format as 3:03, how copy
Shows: 10:18
